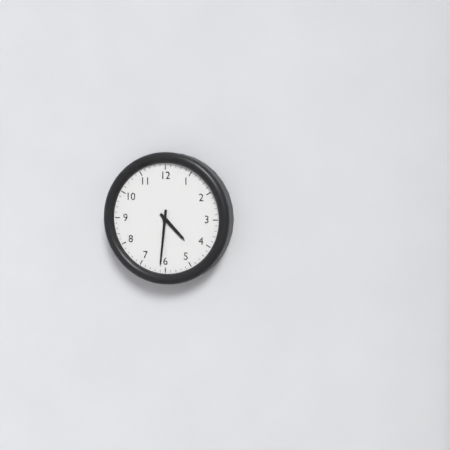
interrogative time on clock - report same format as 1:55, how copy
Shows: 4:31
